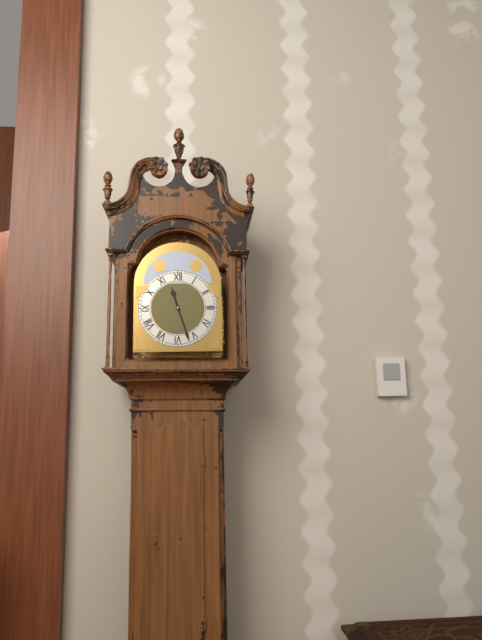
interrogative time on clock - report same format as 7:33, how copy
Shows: 11:27
